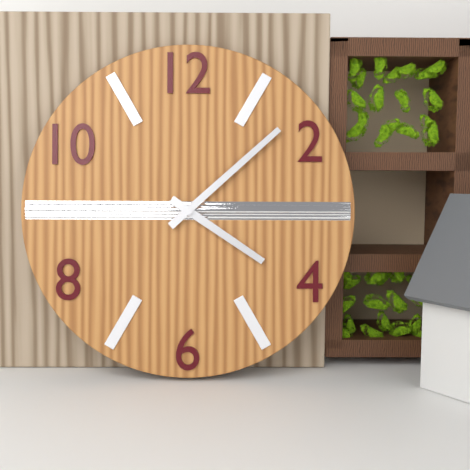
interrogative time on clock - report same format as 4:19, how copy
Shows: 4:08
